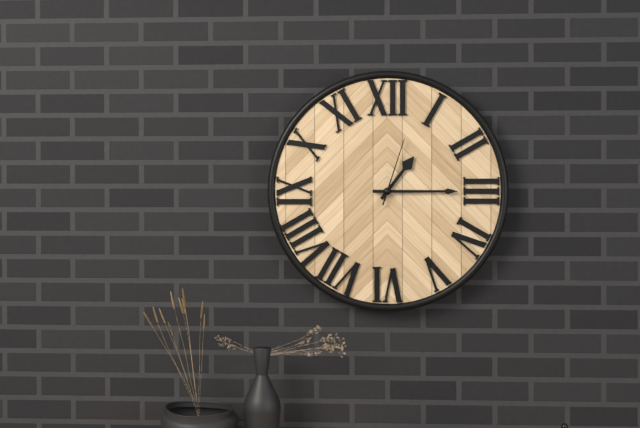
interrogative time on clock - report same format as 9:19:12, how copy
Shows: 1:15:03
